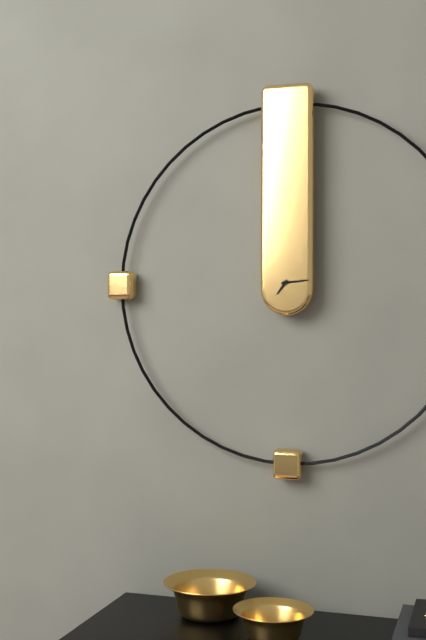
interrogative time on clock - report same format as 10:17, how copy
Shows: 7:14
